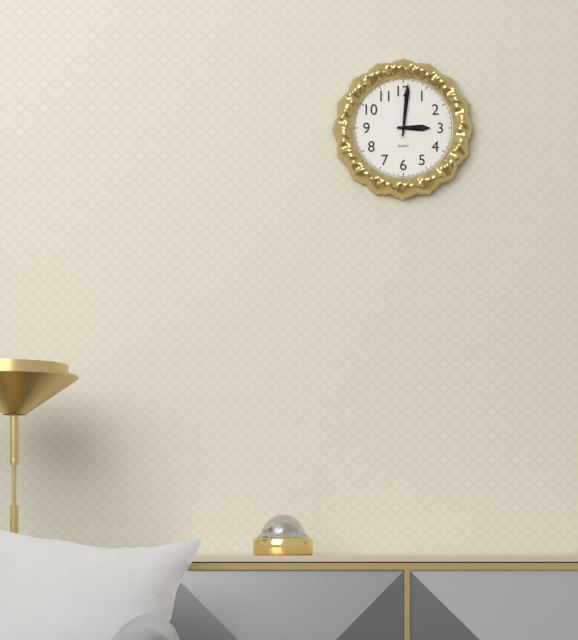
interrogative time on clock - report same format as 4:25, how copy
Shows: 3:01
